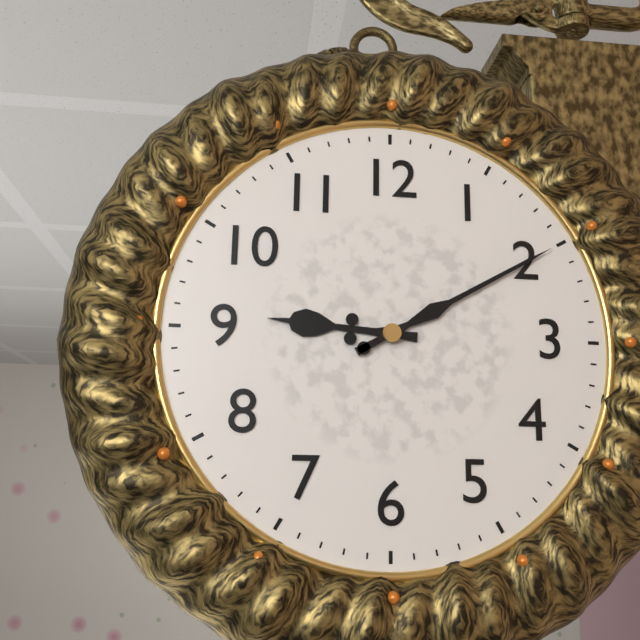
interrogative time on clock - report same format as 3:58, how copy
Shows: 9:10
